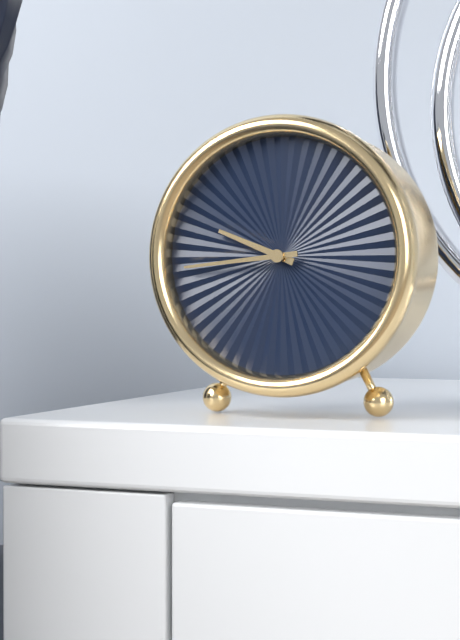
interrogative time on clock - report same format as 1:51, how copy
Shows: 9:44
